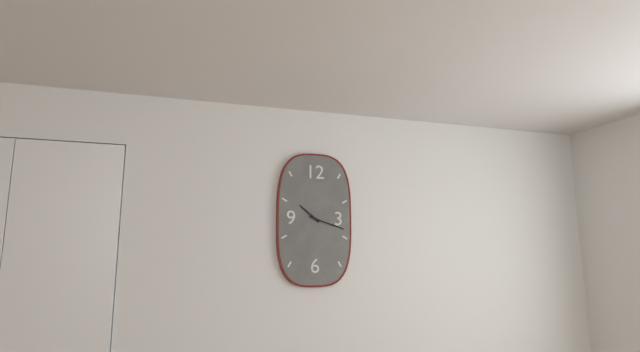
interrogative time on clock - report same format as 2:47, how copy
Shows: 10:18
